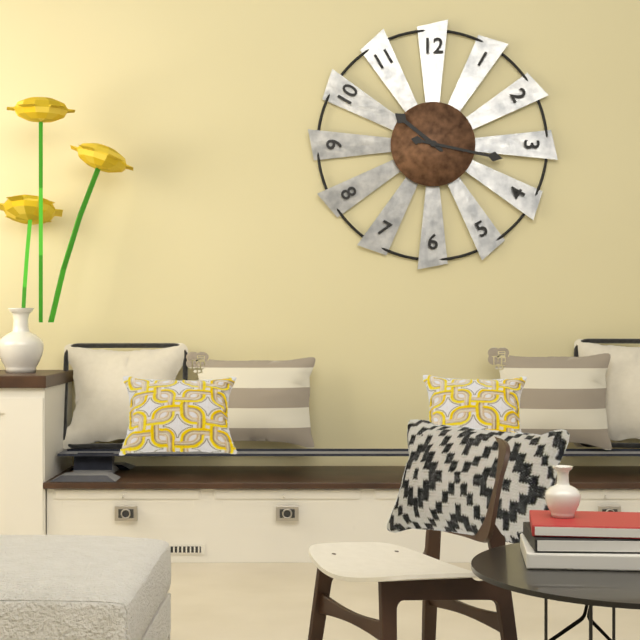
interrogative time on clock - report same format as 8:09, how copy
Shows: 10:17
